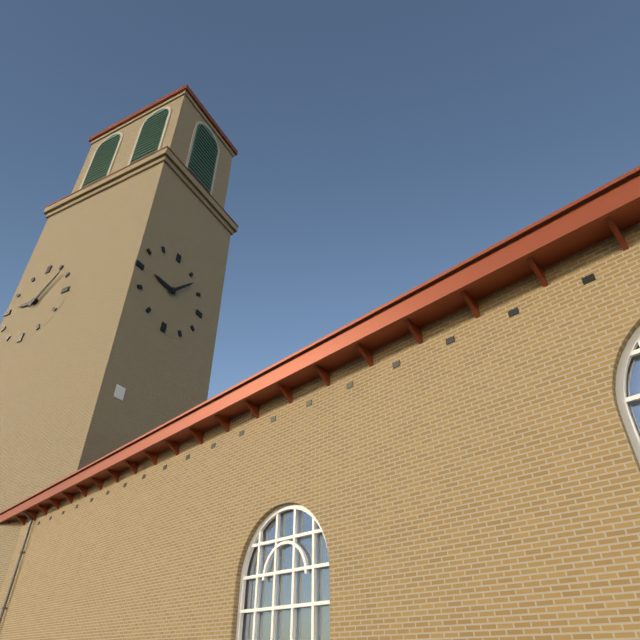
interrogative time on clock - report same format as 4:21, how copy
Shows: 9:07
